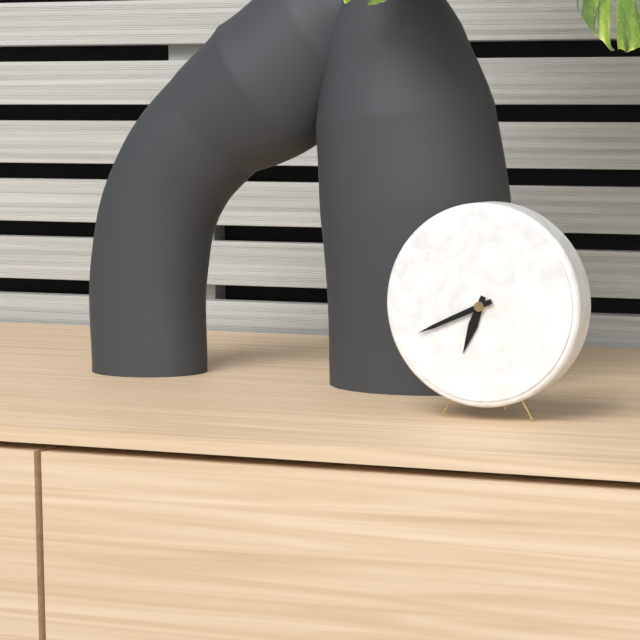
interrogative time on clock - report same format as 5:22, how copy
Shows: 6:41
